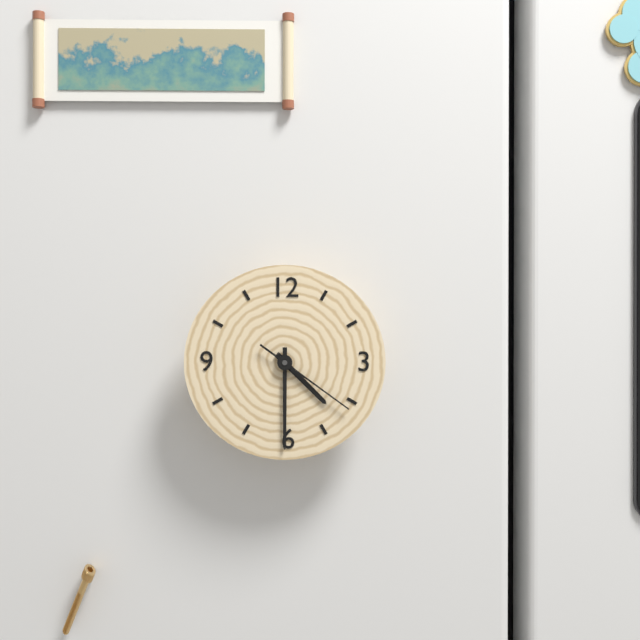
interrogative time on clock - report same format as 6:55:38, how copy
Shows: 4:30:21
